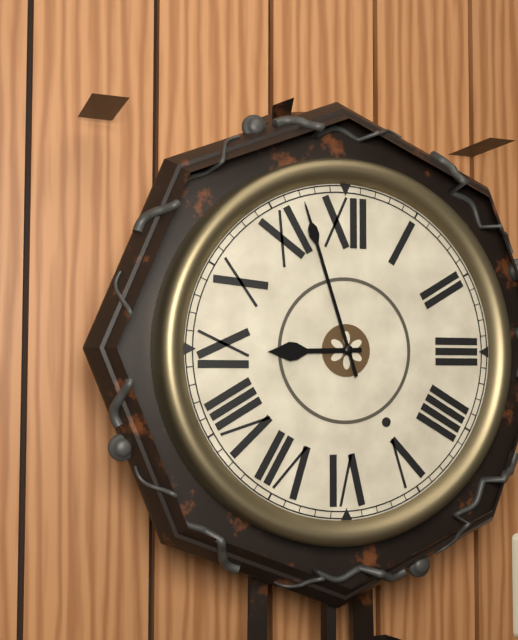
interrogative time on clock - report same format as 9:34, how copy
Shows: 8:57
